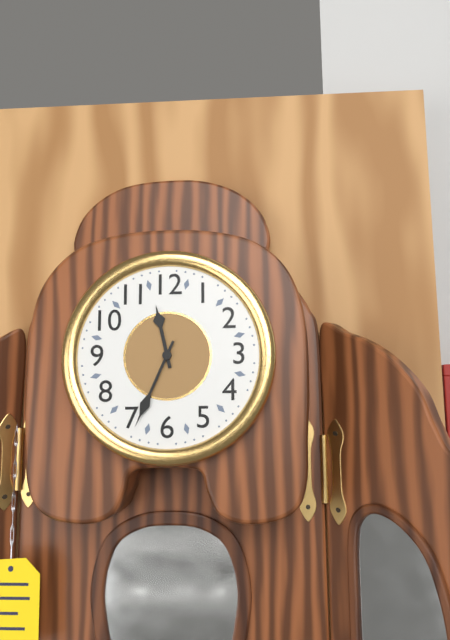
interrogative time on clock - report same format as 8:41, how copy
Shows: 11:34
